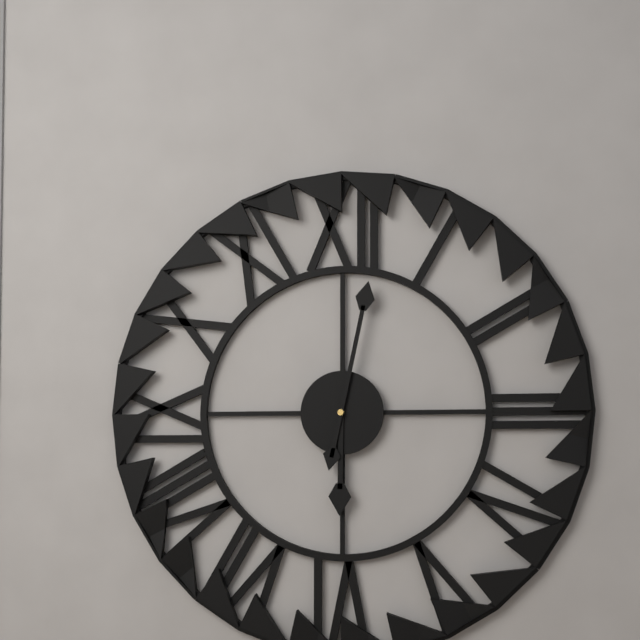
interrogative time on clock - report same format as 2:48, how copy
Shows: 6:02
